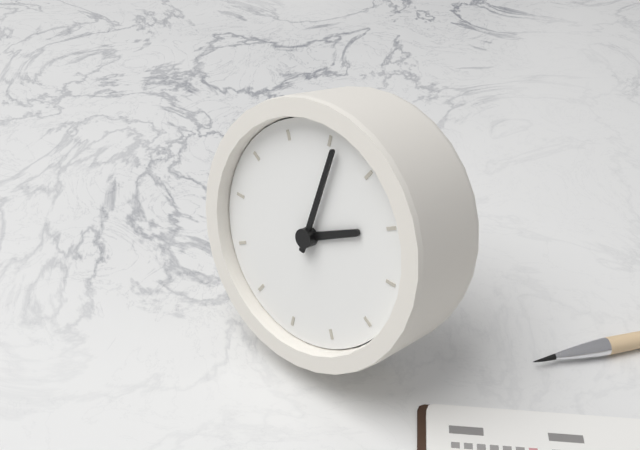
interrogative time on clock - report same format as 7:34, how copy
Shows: 2:01
